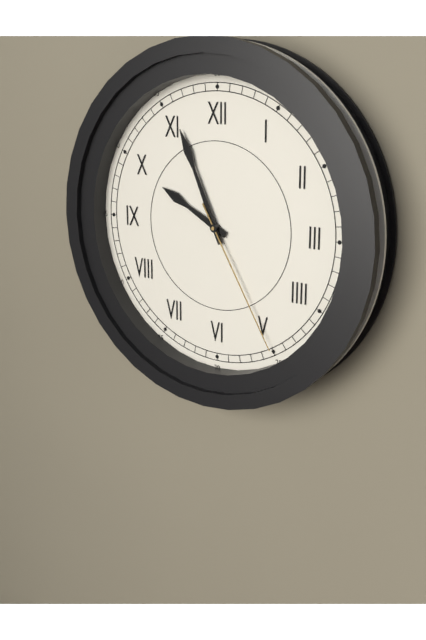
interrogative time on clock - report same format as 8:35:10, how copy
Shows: 9:56:25
